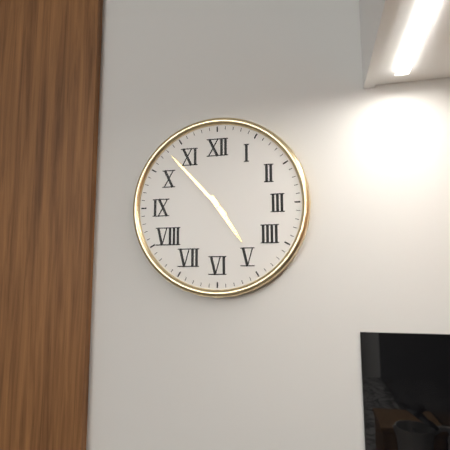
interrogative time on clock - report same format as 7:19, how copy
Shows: 4:53
